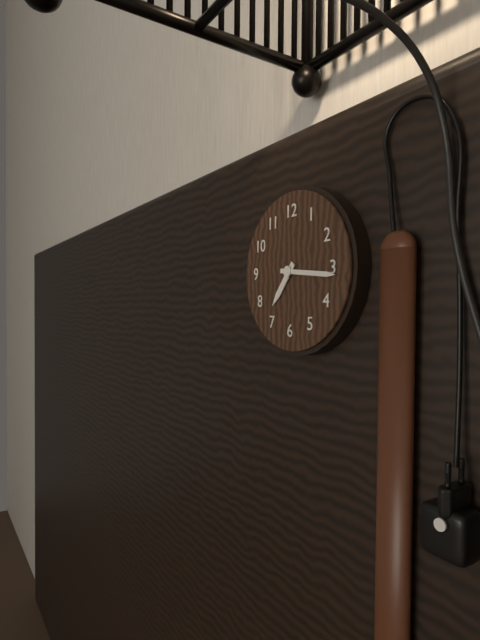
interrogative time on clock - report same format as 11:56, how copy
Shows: 7:16
